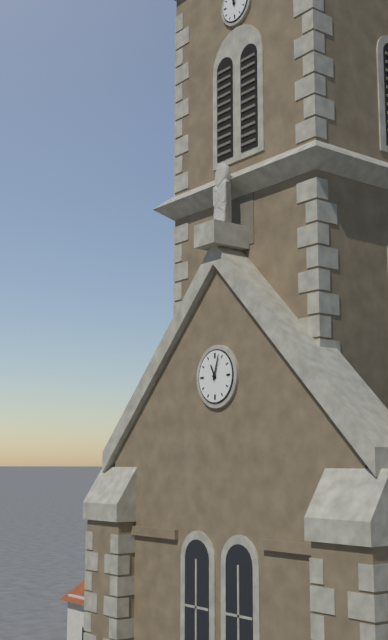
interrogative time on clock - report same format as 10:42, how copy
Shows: 11:03
